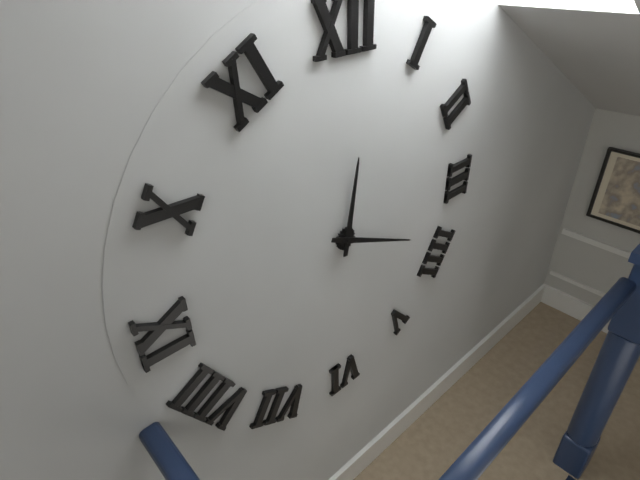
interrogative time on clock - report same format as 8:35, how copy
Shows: 12:19
